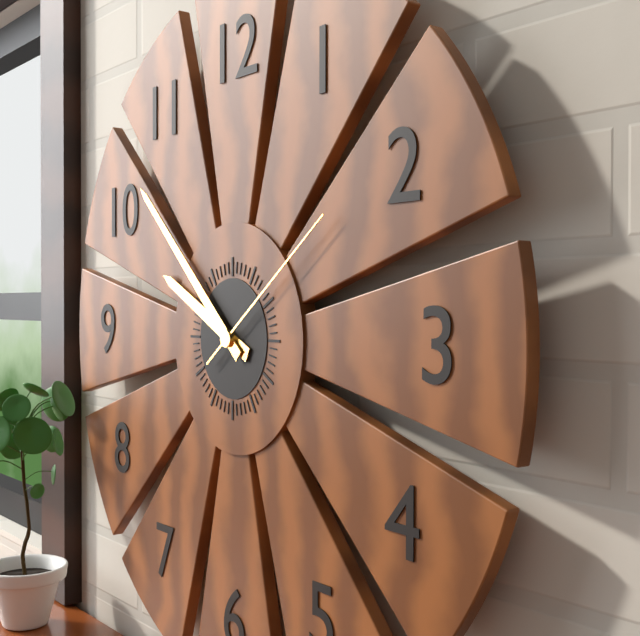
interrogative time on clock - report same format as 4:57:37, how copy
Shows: 9:52:09
